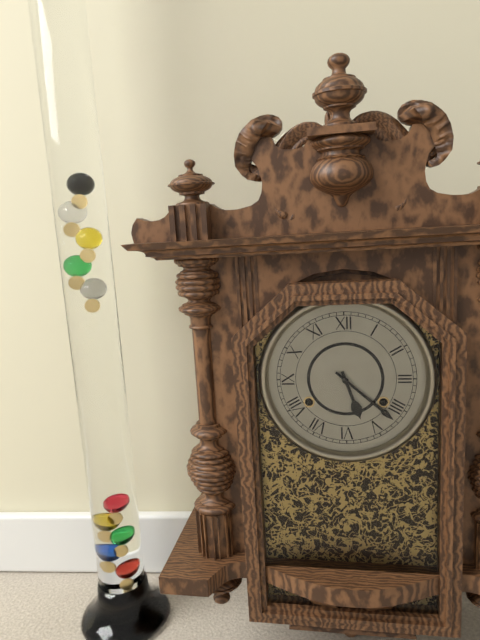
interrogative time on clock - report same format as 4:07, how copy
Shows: 5:22
